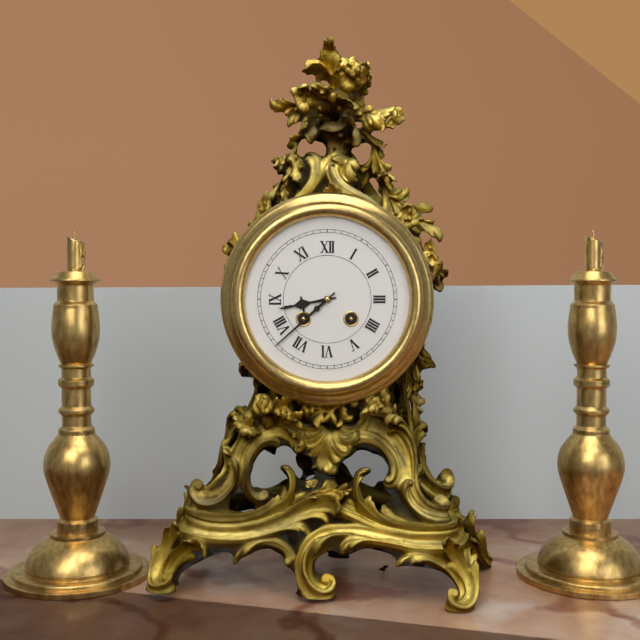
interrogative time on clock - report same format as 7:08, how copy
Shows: 8:38
